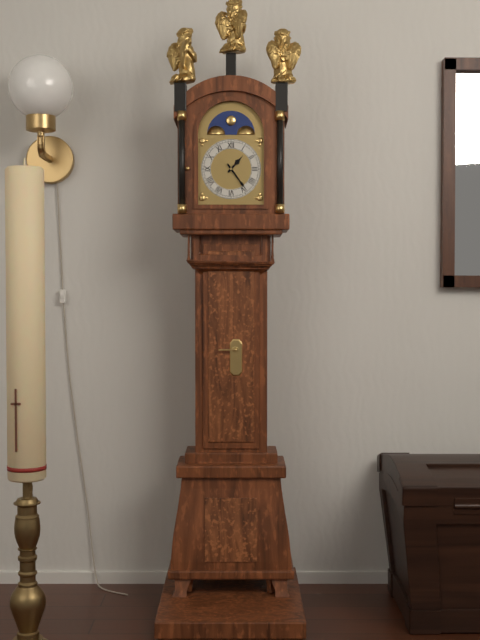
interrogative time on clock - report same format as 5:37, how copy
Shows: 1:24
